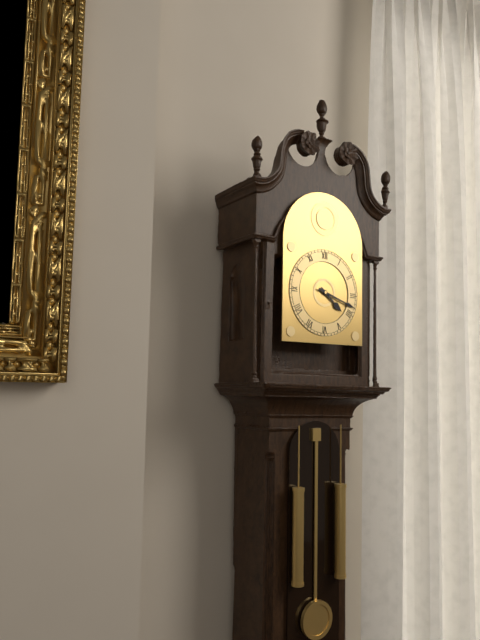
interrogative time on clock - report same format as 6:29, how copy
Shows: 4:18
